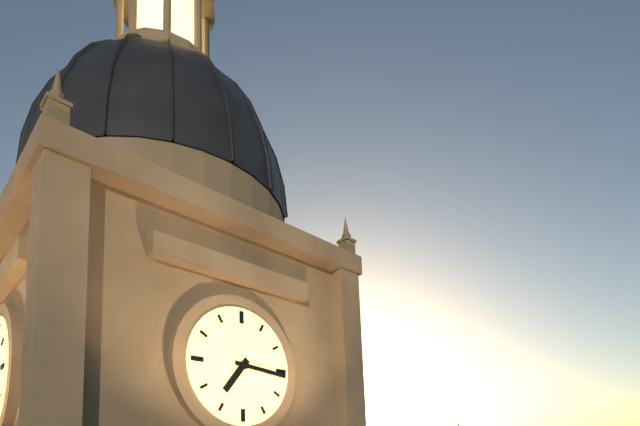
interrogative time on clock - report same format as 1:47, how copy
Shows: 7:16
